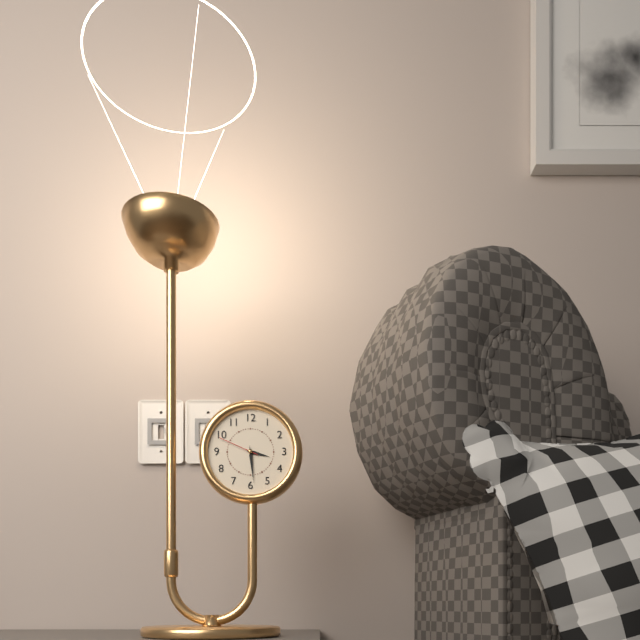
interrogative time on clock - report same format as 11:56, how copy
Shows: 3:29
